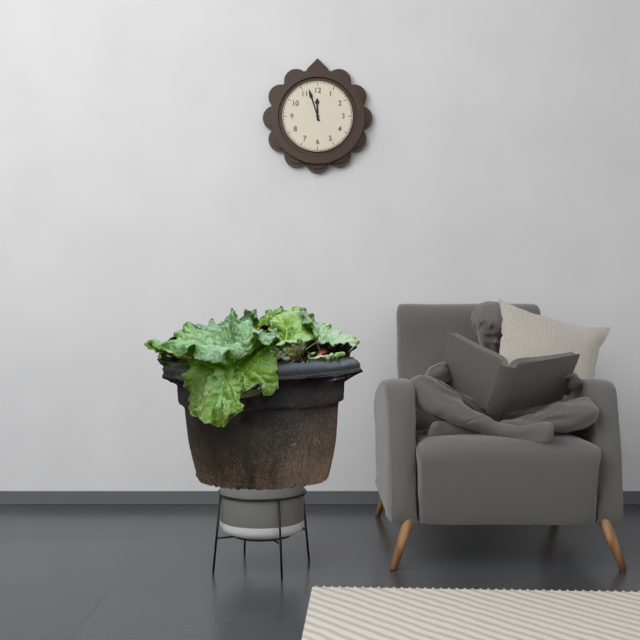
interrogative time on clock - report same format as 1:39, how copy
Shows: 11:57
